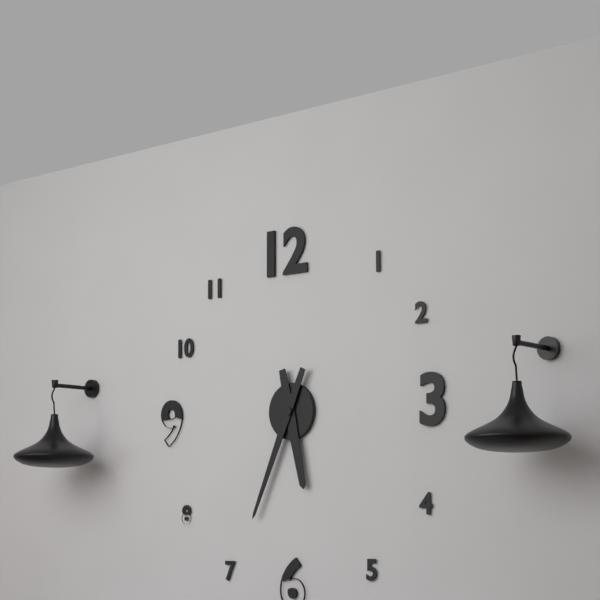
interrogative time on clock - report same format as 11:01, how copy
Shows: 5:34
